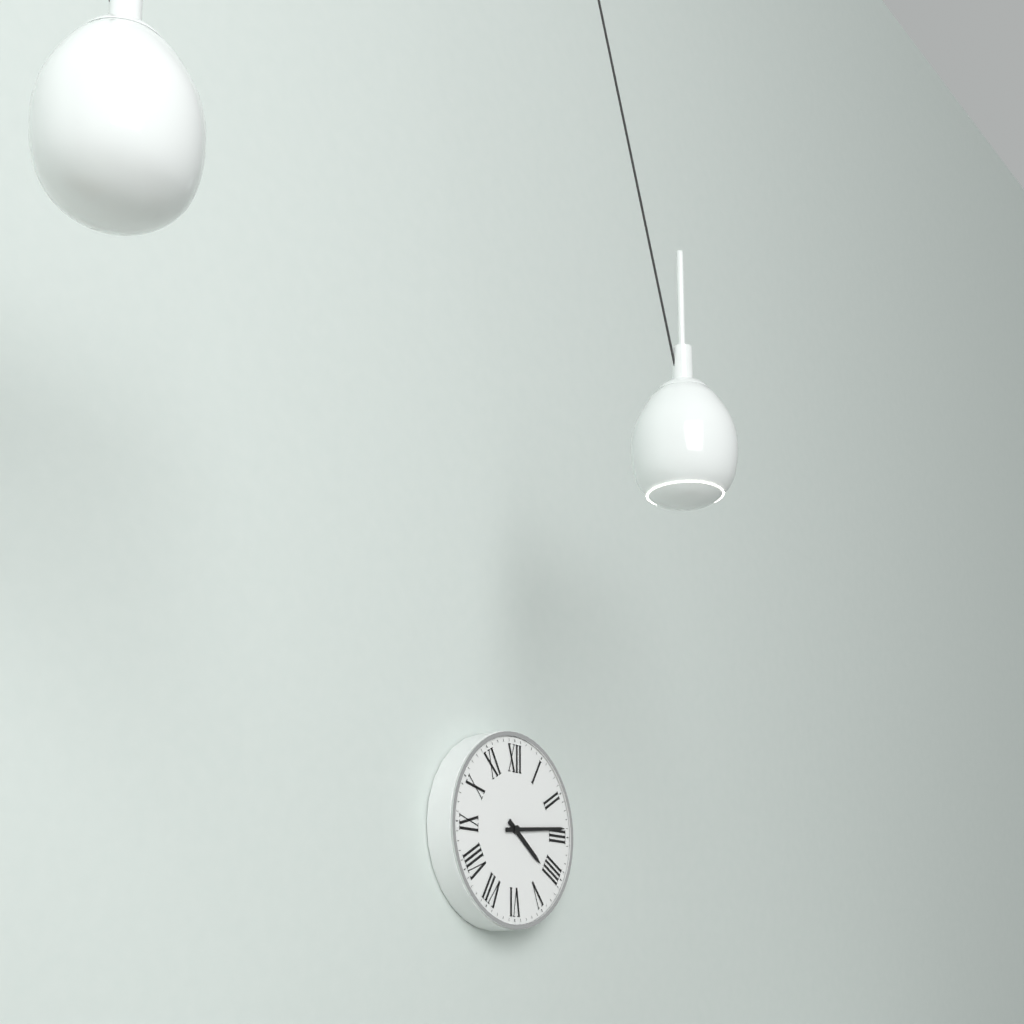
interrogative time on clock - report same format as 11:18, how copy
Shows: 4:14
